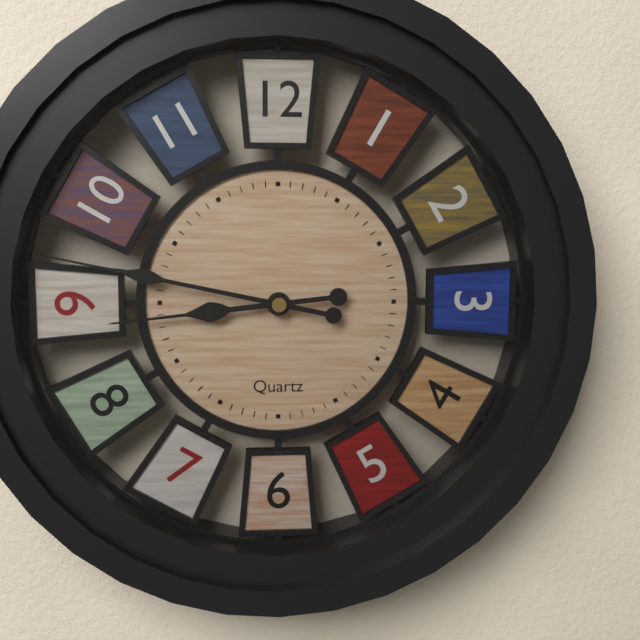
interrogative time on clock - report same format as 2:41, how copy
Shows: 8:47
